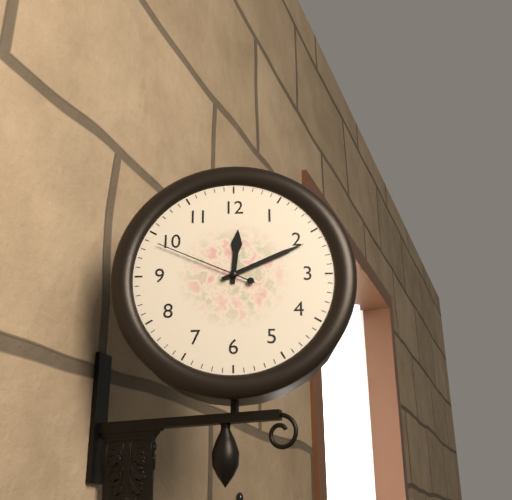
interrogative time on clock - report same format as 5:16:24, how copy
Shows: 12:11:49
